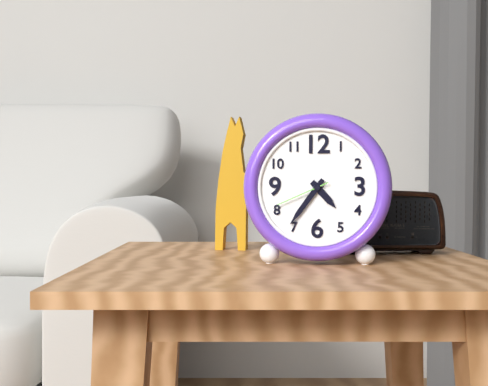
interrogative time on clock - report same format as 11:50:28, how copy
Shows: 4:36:41
